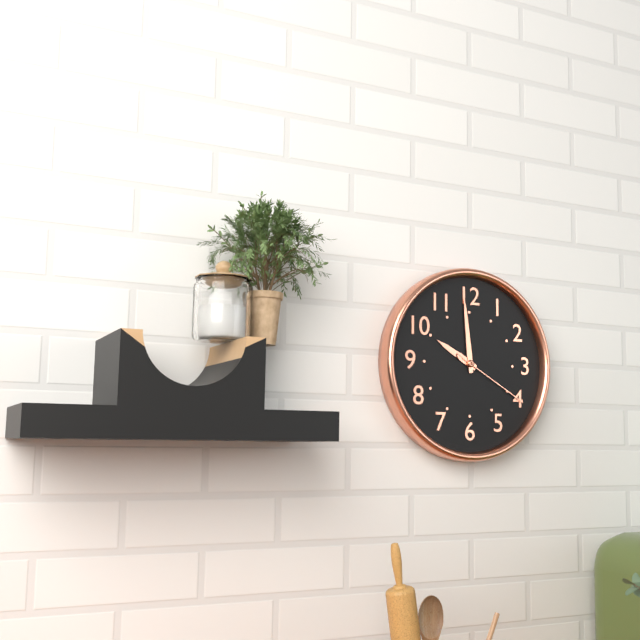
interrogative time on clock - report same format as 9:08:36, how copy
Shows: 9:59:20
